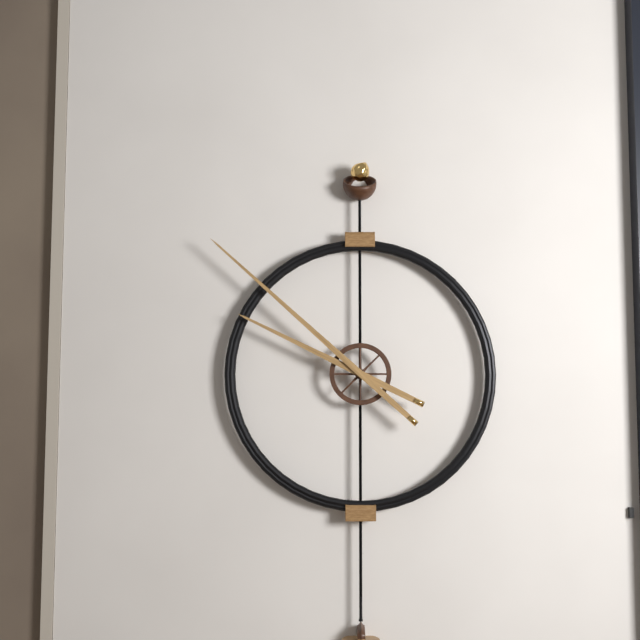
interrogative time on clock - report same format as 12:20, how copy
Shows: 9:52
